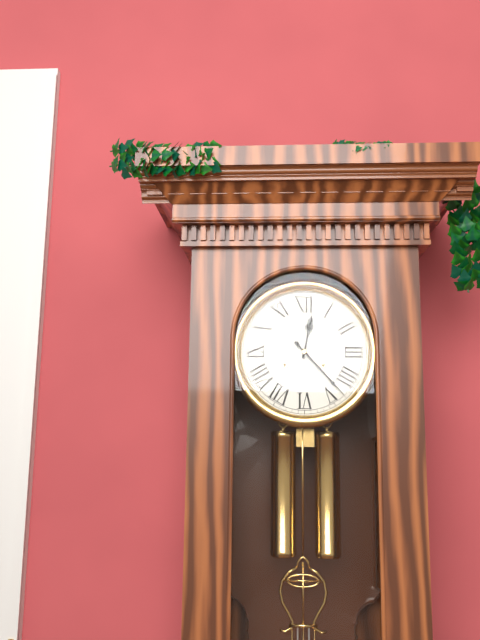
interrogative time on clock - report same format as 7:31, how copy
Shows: 12:23
